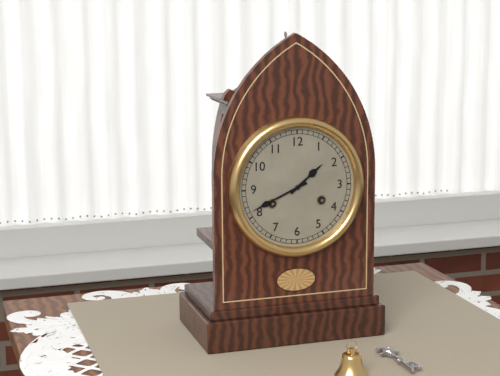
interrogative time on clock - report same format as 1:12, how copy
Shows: 1:41
